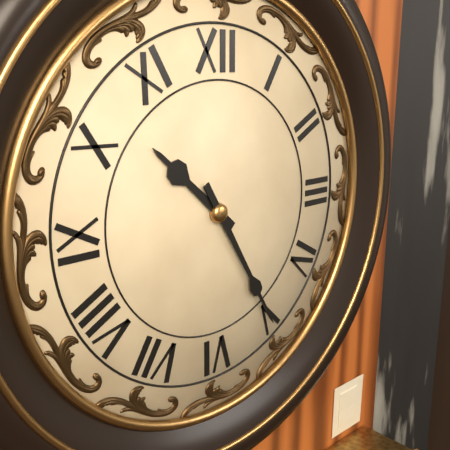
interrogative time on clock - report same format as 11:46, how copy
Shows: 10:25
